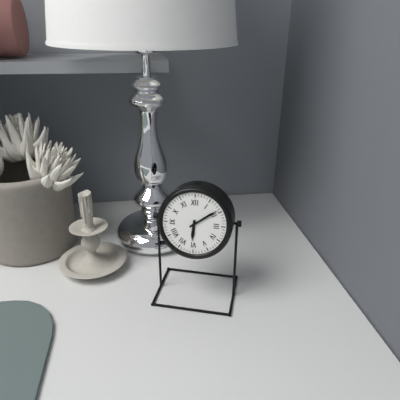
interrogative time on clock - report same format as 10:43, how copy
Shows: 6:09
